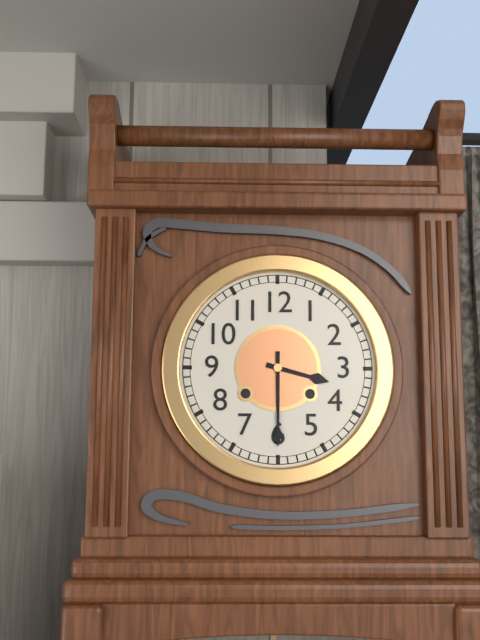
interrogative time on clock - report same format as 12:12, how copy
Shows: 3:30
